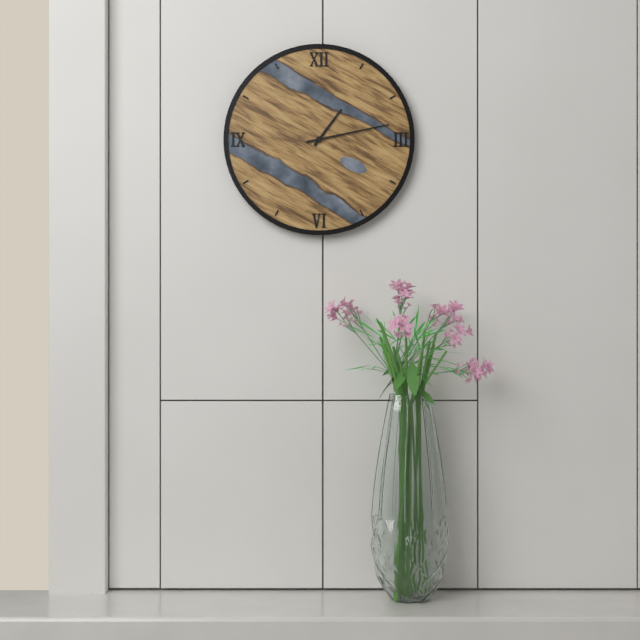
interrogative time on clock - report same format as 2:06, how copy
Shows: 1:13
